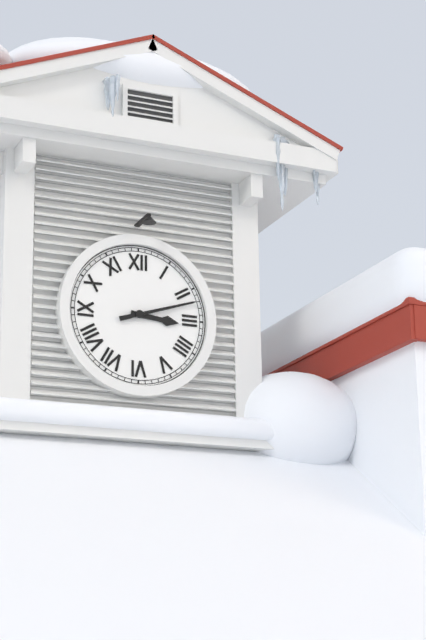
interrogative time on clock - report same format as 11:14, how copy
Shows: 3:12
